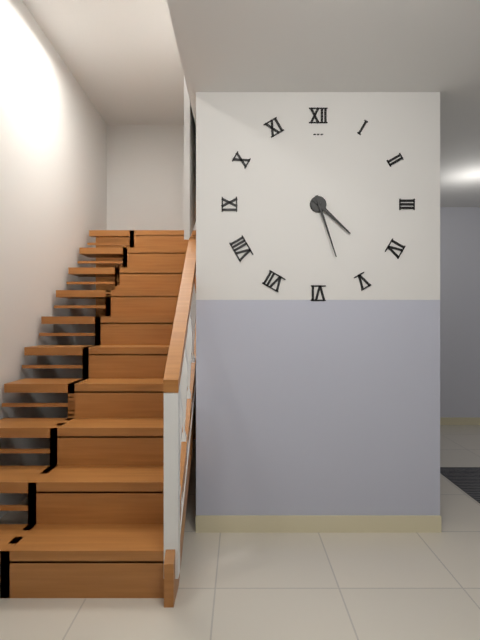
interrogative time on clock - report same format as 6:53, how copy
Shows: 4:27
